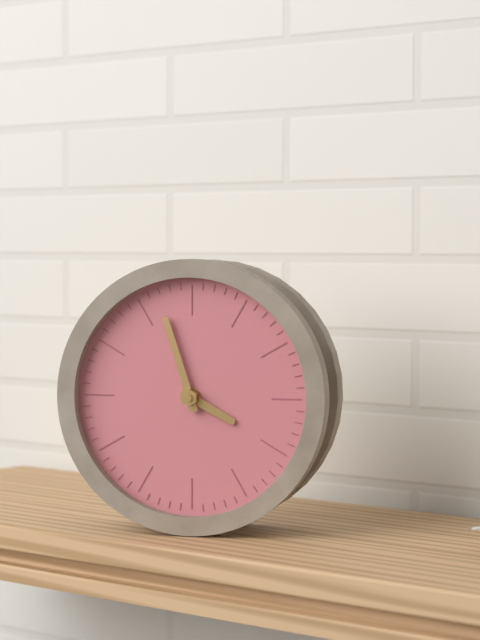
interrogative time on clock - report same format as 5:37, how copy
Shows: 3:57
